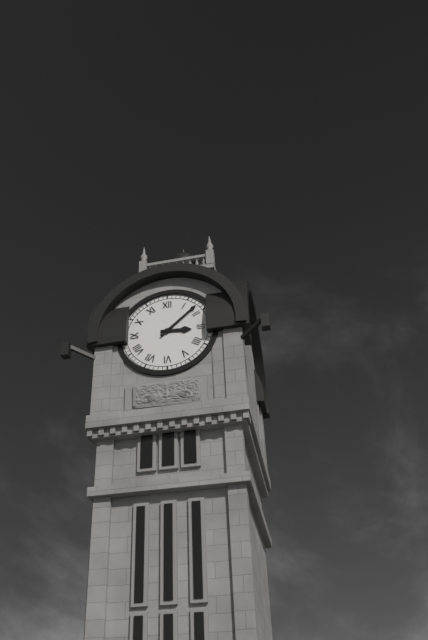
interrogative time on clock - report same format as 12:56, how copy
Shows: 3:08
